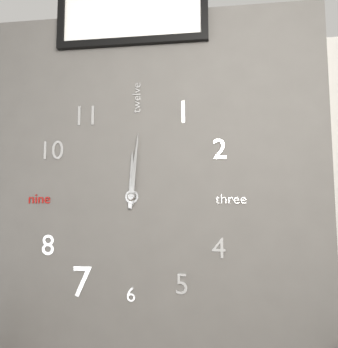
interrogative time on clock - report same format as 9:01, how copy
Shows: 12:01
